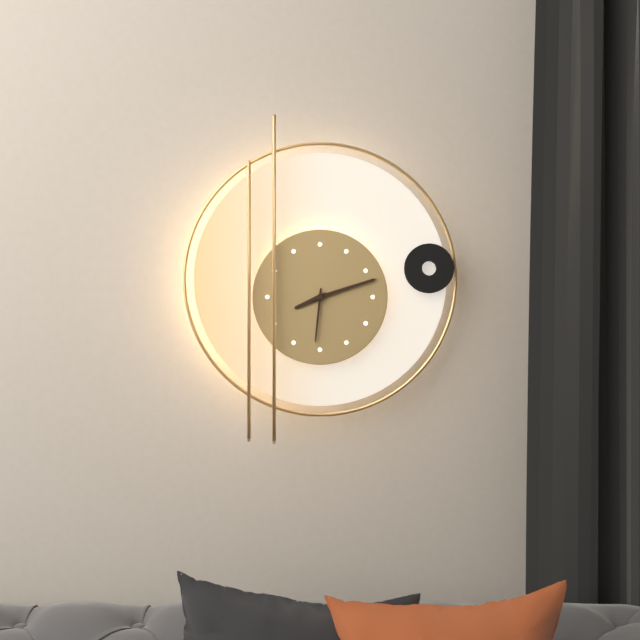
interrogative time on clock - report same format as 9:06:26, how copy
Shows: 8:12:31
